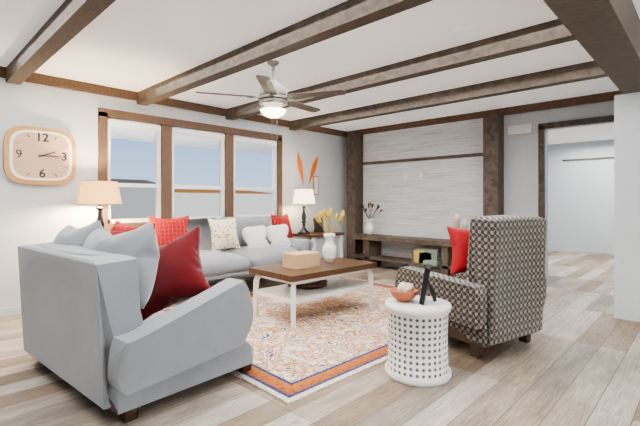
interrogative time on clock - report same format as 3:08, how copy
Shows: 2:15
